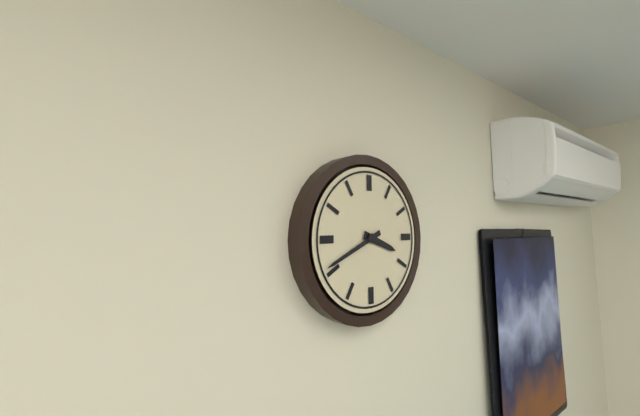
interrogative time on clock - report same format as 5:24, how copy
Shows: 3:41
